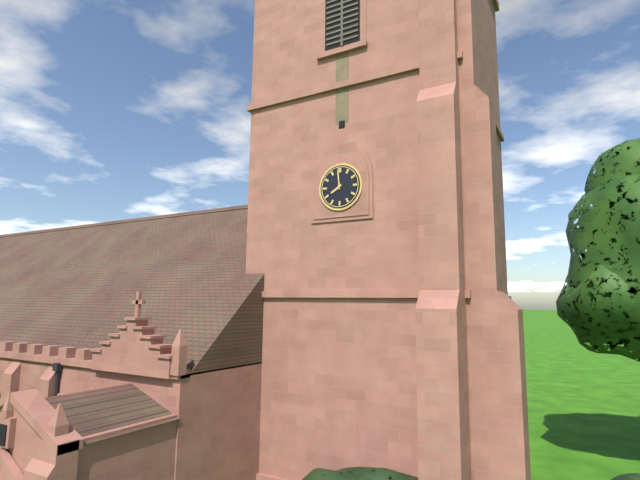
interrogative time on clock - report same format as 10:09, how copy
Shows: 7:59
